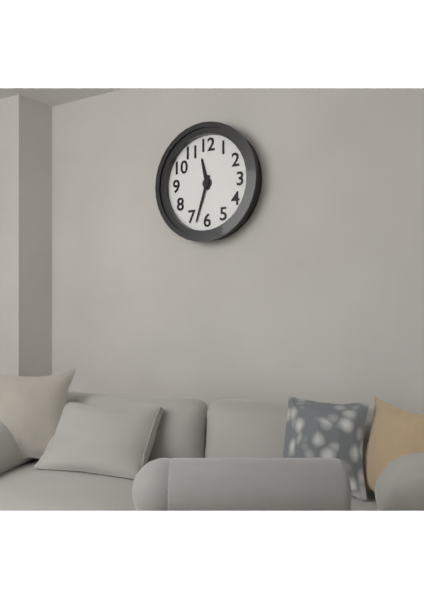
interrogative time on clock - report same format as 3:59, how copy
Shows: 11:33
